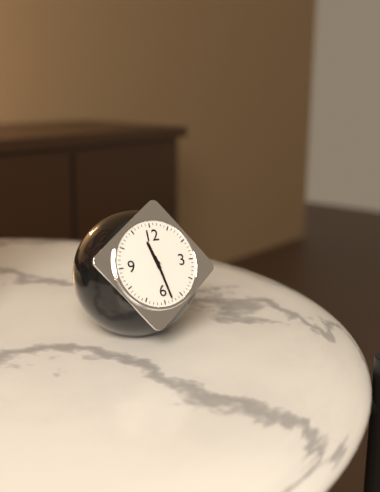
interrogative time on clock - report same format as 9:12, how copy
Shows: 11:28
